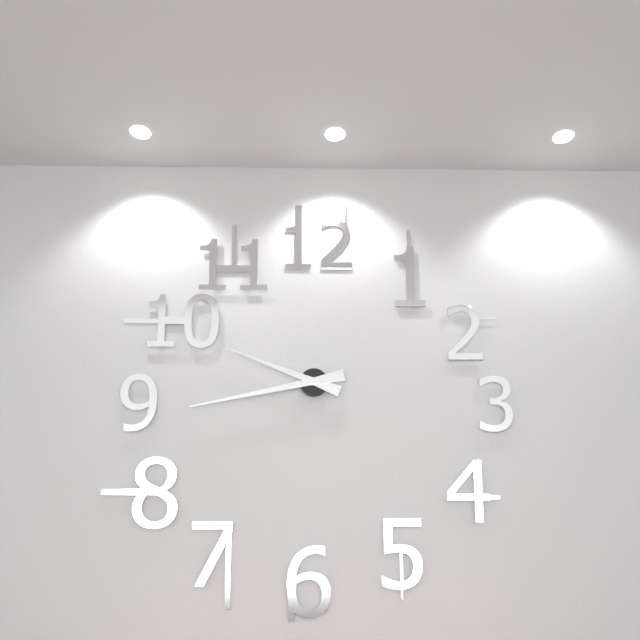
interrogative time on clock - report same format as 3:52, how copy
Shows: 9:43
